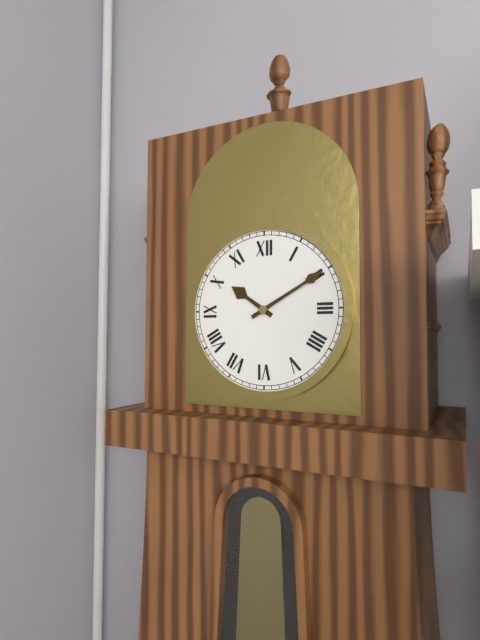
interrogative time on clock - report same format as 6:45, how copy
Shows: 10:10
